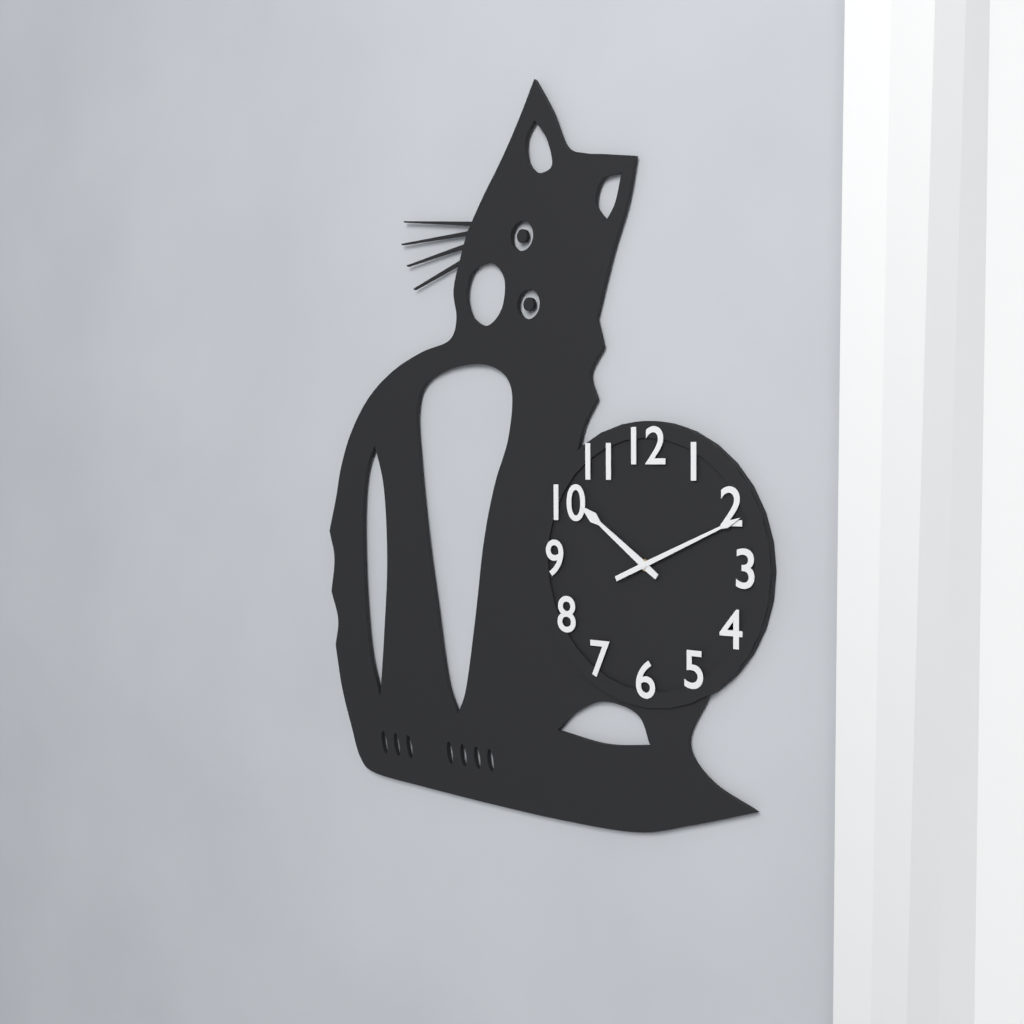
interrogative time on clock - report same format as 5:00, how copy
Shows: 10:11
